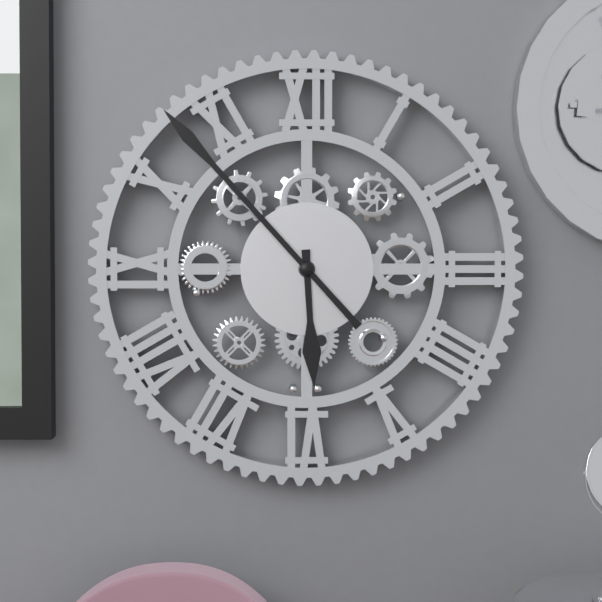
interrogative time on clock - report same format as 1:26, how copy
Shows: 5:53
